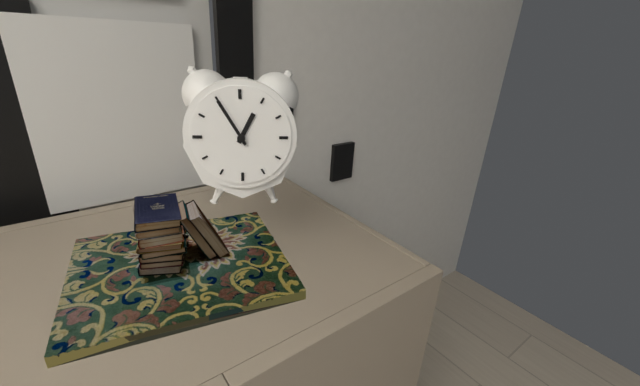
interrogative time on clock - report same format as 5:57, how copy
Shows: 12:55
